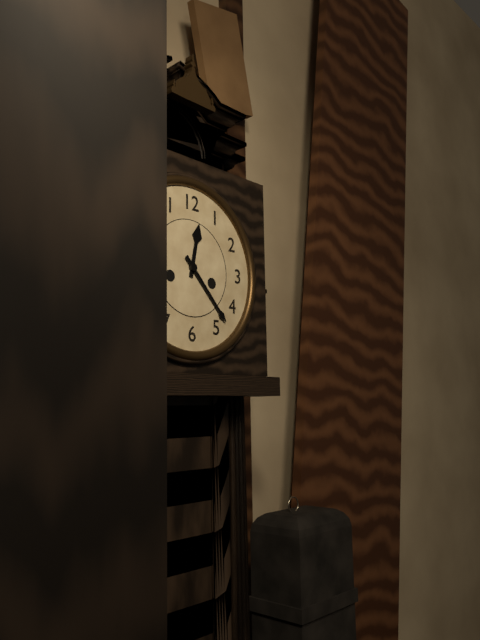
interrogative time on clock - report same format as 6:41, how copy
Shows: 12:23
